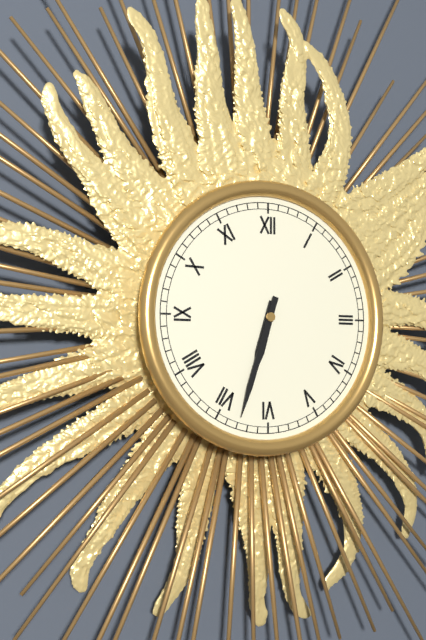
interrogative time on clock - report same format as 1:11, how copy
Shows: 6:33
